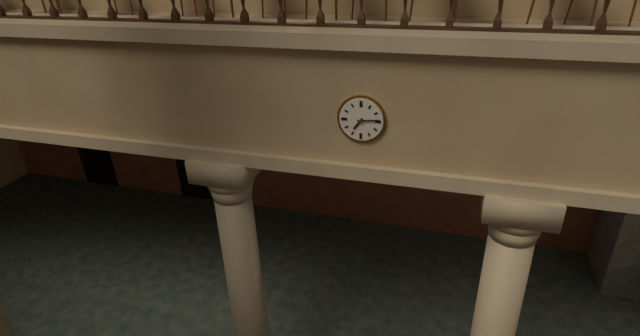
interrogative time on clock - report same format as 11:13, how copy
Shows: 7:14
